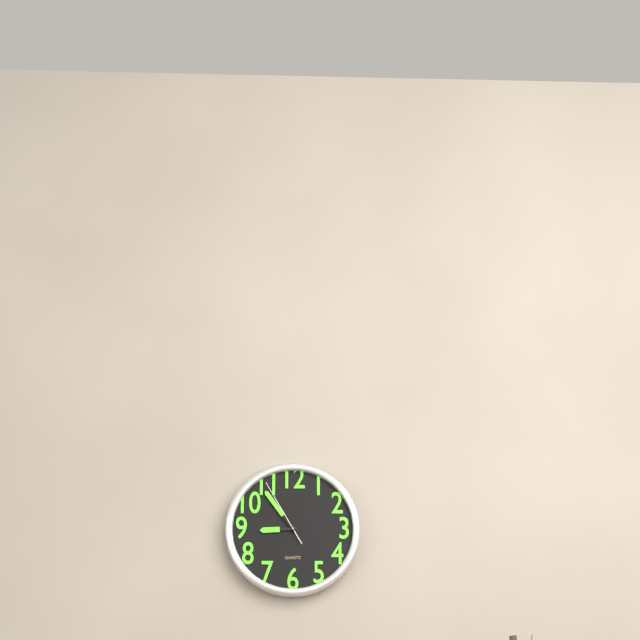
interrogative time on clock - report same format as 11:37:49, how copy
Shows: 8:54:55
